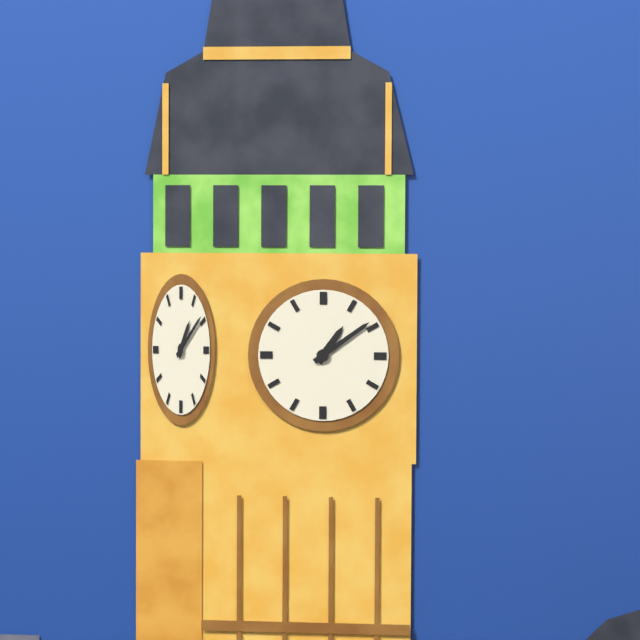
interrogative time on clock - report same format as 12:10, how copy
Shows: 1:09
